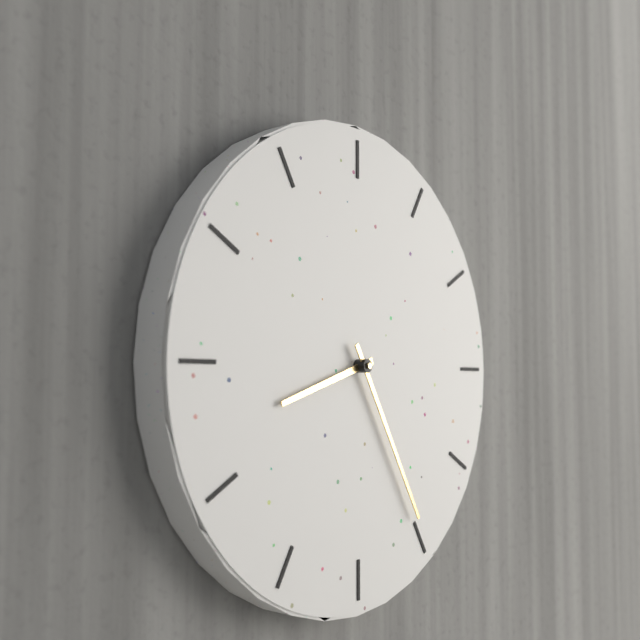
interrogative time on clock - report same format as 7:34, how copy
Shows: 8:25
